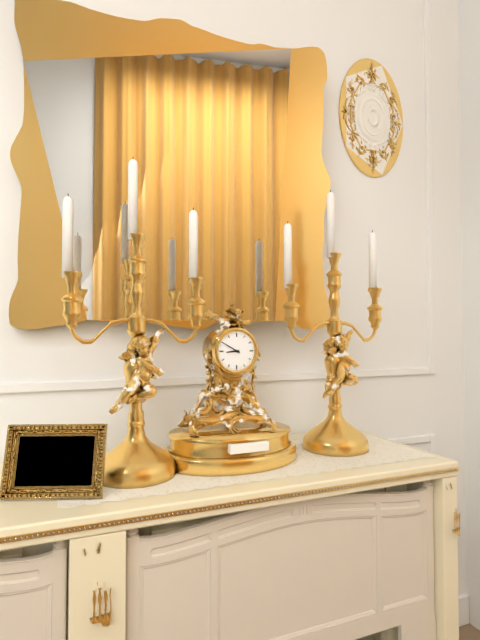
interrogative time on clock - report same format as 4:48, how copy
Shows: 8:50
